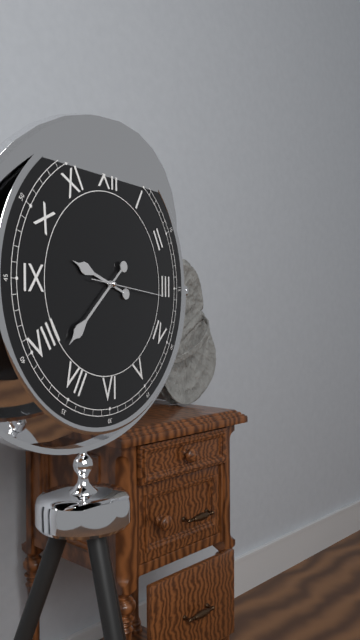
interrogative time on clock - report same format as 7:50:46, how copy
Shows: 9:38:16
